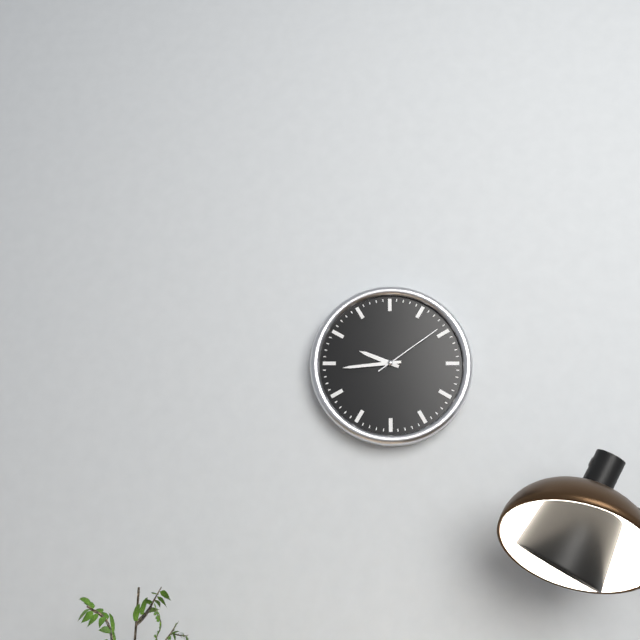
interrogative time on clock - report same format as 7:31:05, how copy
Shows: 9:44:09
